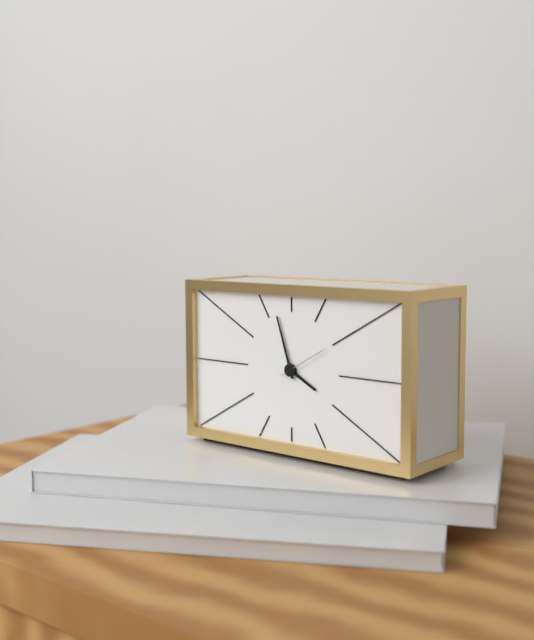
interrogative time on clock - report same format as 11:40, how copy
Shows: 3:57
